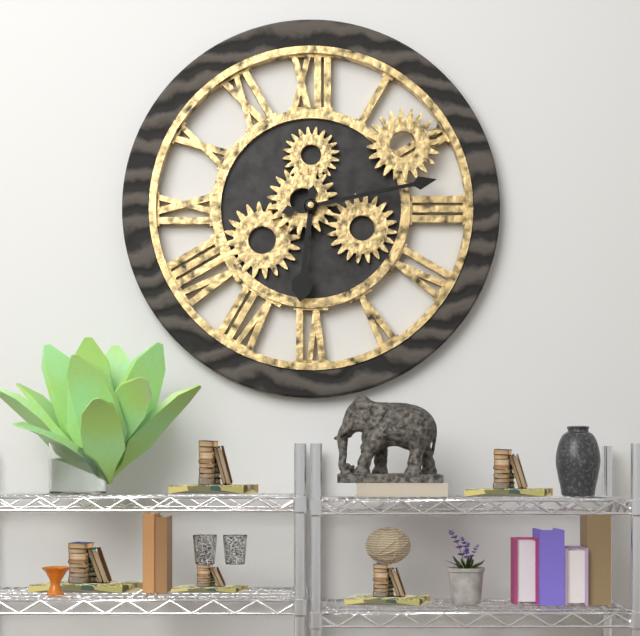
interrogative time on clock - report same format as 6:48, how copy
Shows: 6:13
